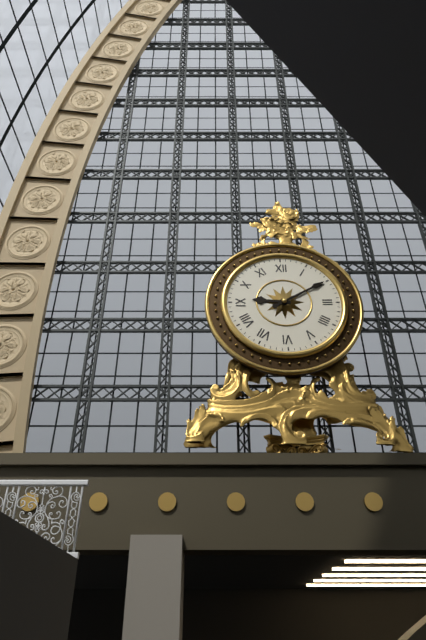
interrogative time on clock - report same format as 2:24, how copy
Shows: 9:10
